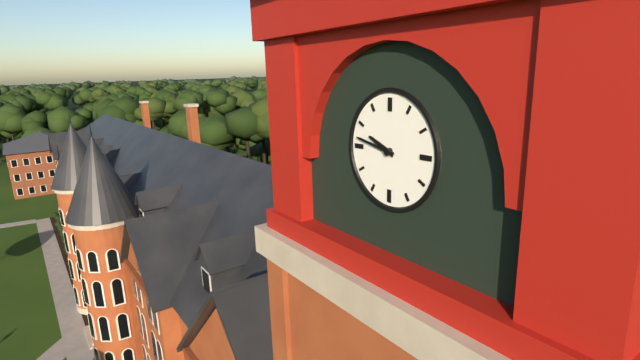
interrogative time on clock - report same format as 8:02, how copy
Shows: 9:47
